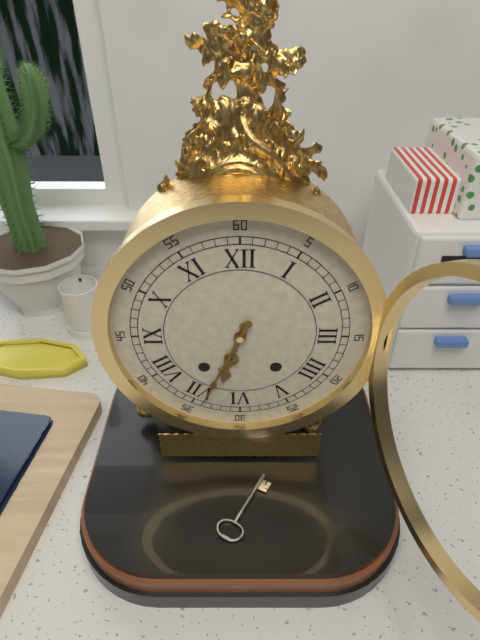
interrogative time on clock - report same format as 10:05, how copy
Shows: 6:34
